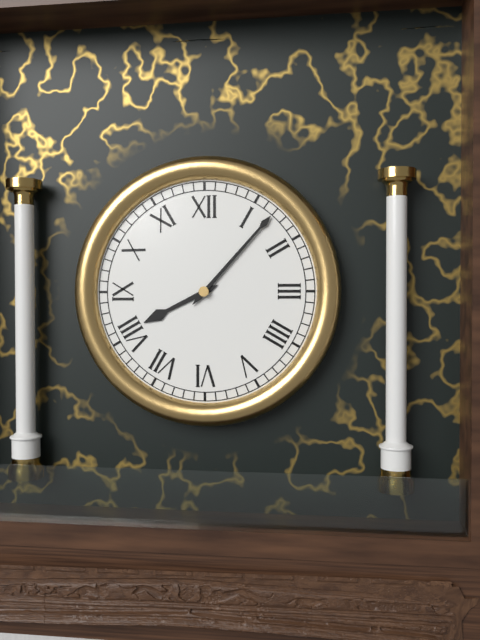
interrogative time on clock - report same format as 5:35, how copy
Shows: 8:07
